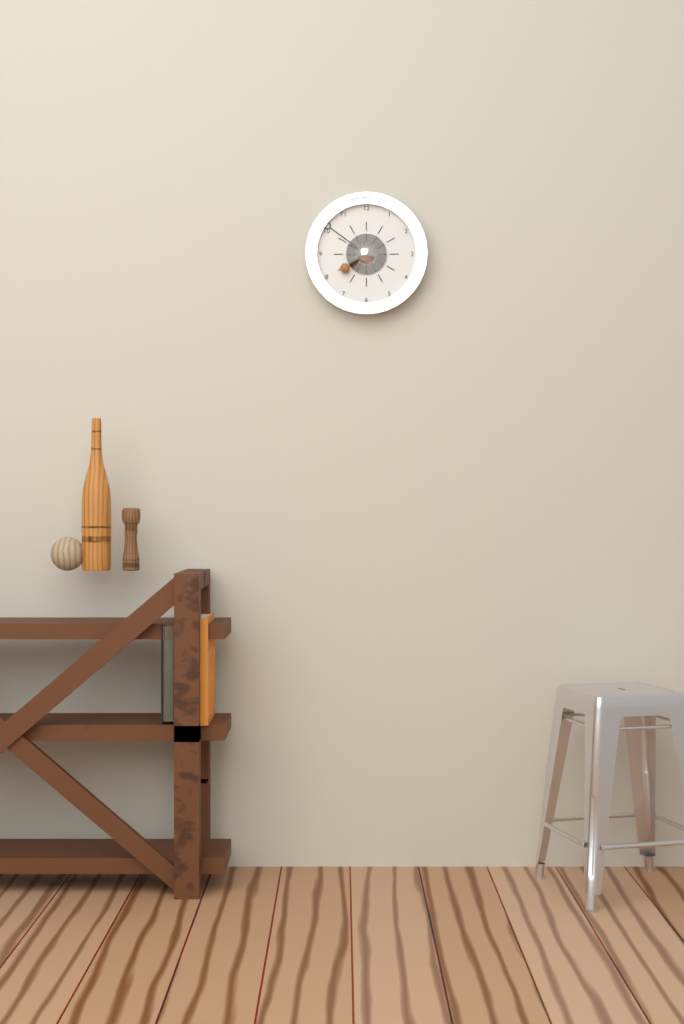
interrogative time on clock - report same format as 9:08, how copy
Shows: 7:51
